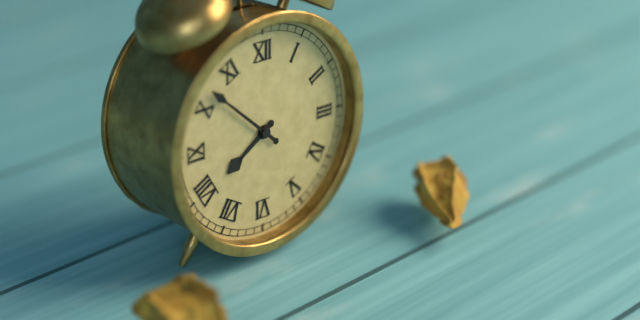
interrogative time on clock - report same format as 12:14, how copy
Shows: 7:52
